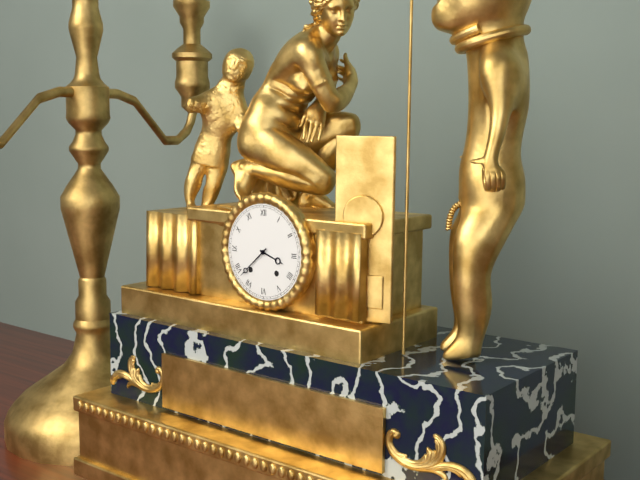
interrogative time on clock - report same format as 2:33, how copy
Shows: 3:38
